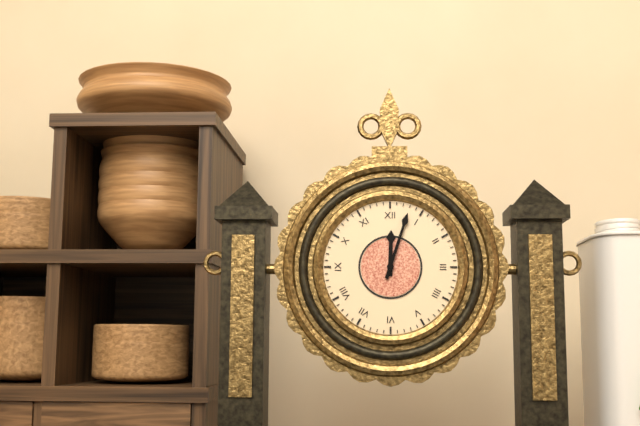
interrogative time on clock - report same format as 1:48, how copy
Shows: 12:03
